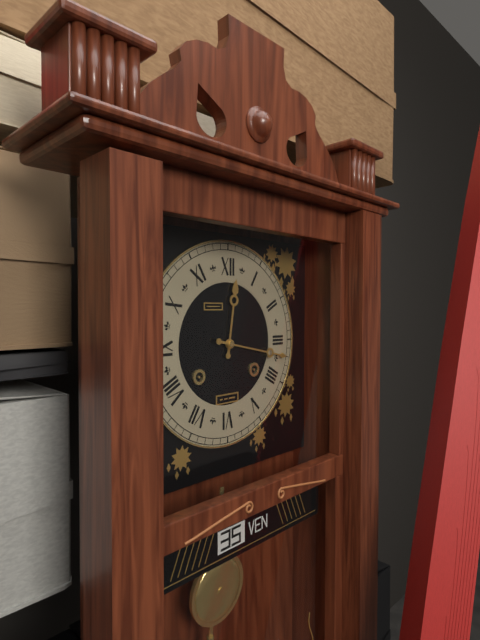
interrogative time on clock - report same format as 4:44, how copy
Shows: 12:17
